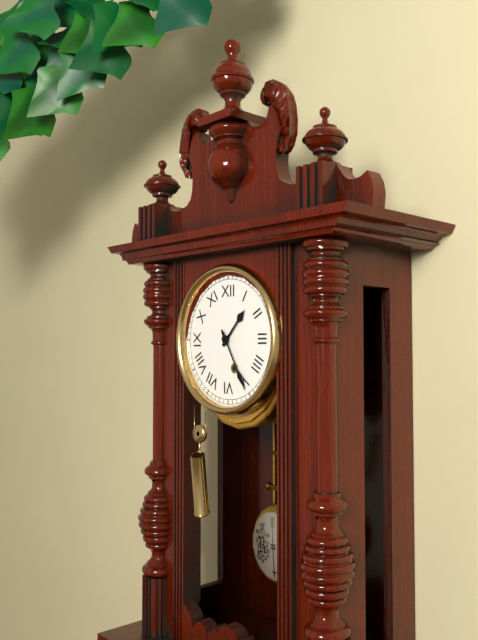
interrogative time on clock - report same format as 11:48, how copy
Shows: 1:25
